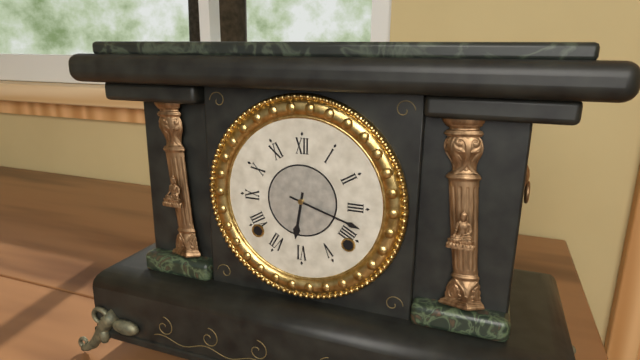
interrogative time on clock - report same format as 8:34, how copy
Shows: 6:18
